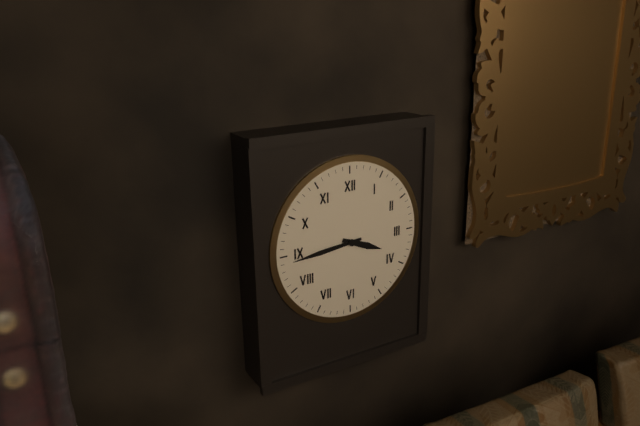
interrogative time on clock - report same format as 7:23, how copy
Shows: 3:44
